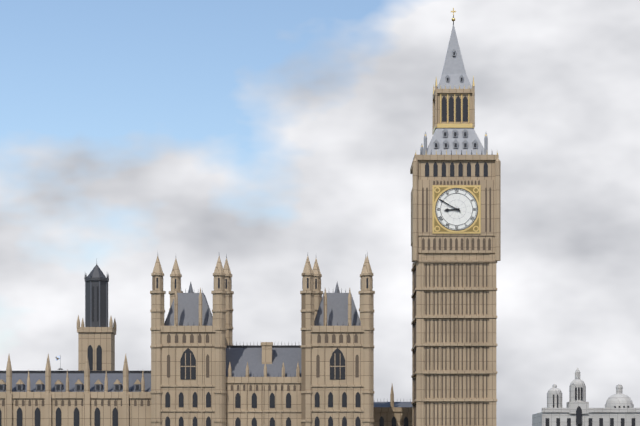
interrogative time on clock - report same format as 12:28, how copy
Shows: 8:50
